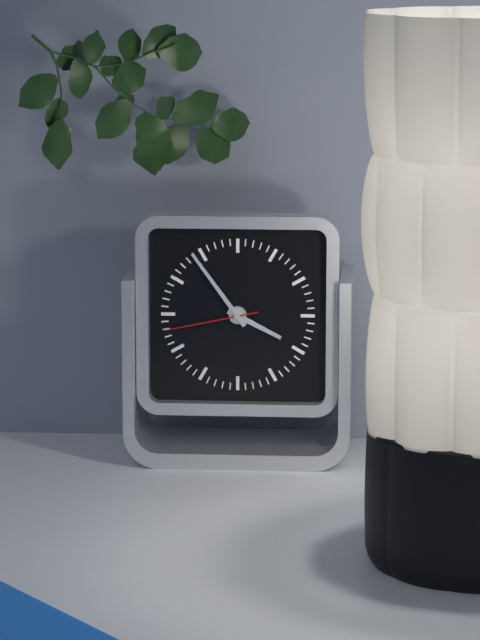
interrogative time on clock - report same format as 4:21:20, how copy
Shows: 3:54:43
